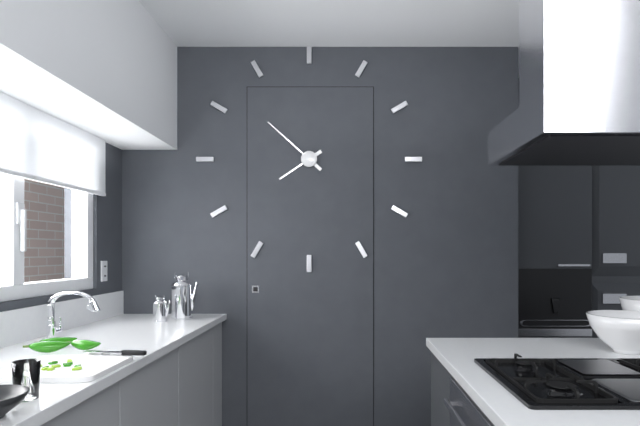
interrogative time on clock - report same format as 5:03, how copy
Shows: 7:52
